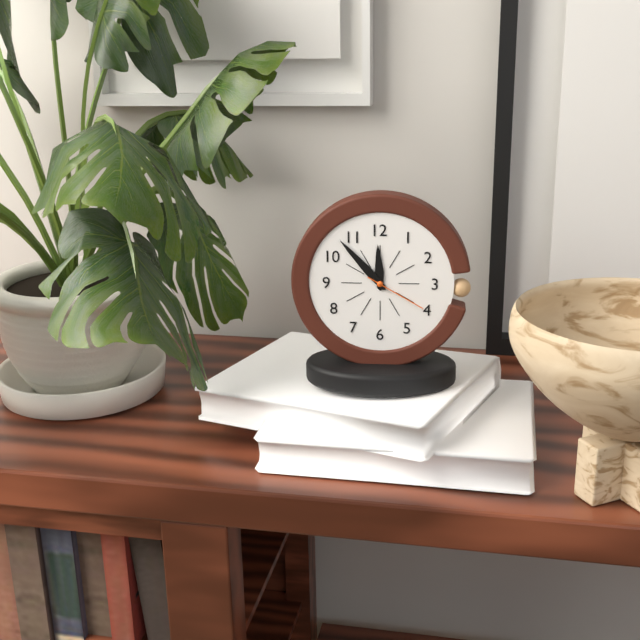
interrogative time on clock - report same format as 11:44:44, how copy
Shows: 11:53:20
